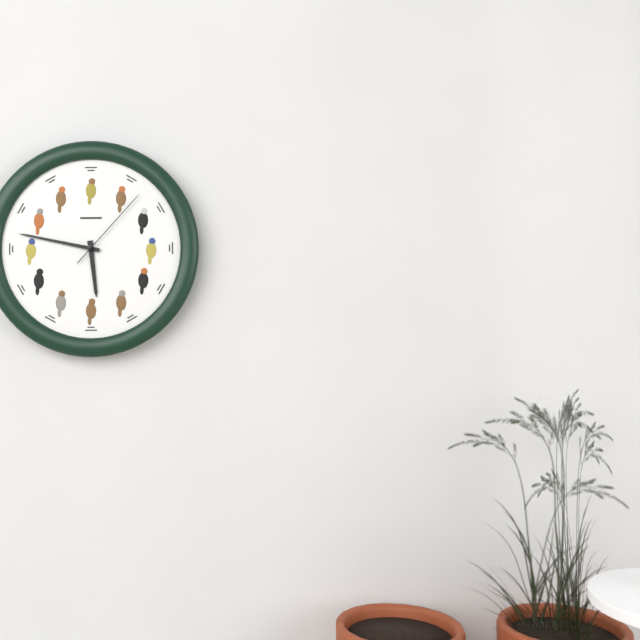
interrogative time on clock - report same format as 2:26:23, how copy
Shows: 5:47:07
